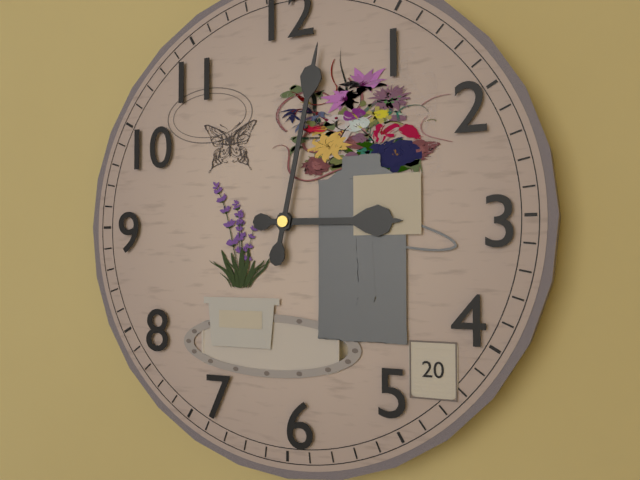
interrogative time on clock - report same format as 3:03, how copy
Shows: 3:02
